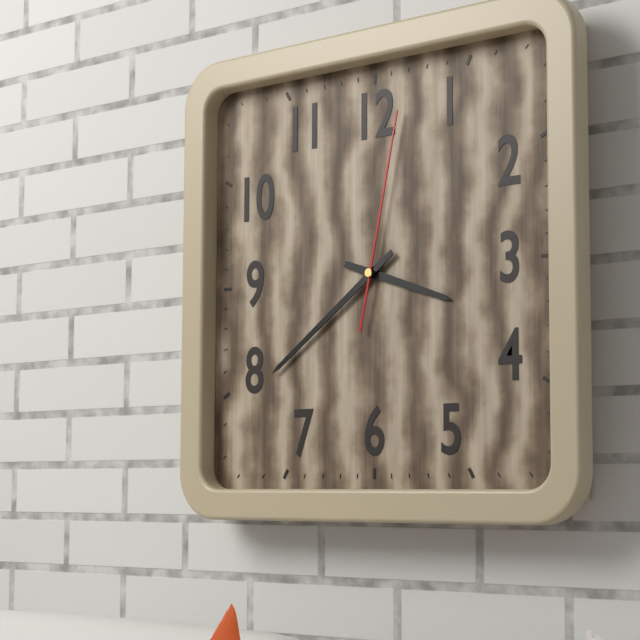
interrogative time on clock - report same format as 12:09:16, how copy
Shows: 3:39:02
